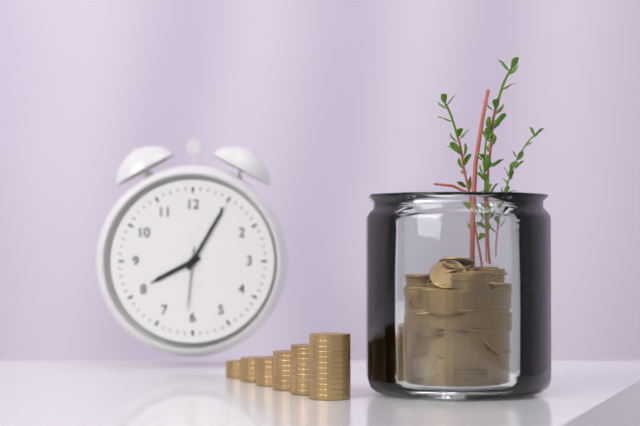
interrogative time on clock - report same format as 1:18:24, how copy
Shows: 8:05:31
